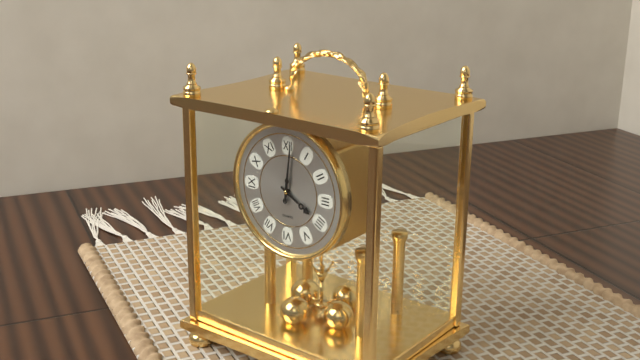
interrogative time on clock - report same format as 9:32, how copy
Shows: 4:01
